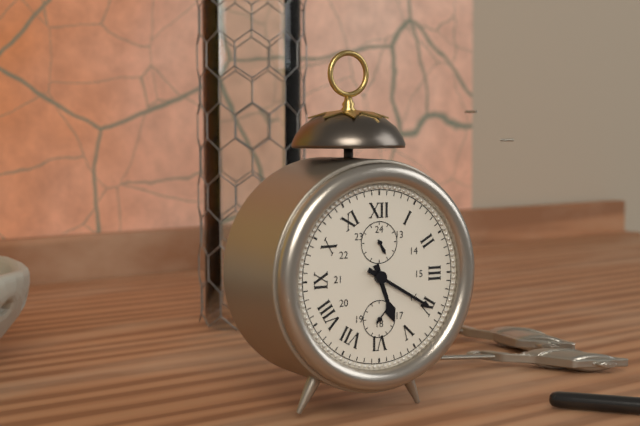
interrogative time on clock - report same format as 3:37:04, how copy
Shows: 5:20:07
